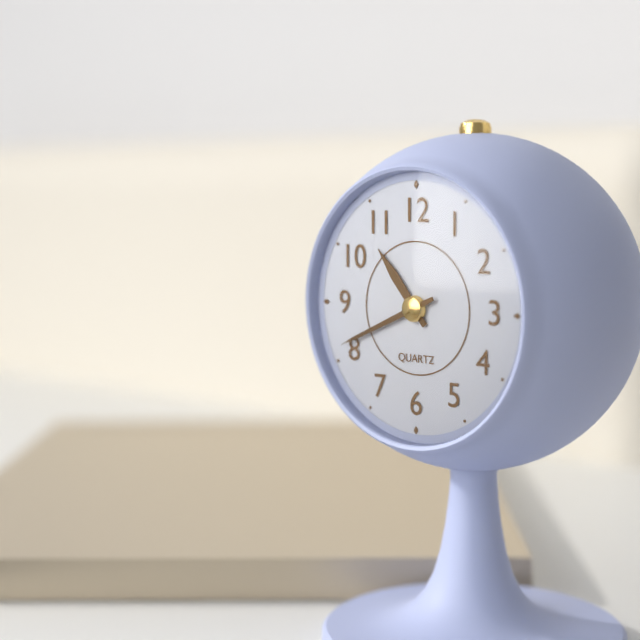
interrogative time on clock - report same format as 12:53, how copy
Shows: 10:41
